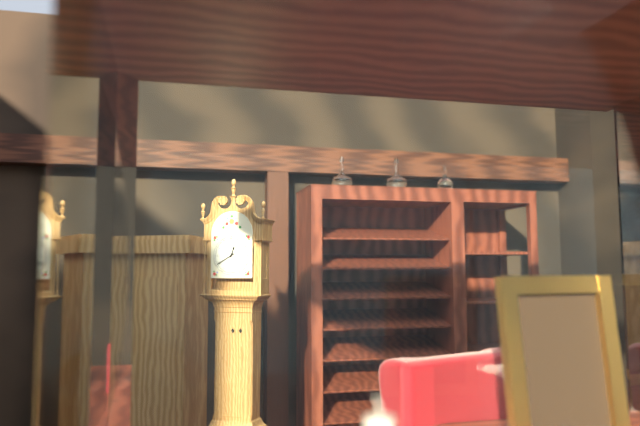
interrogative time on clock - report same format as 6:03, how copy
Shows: 12:40
